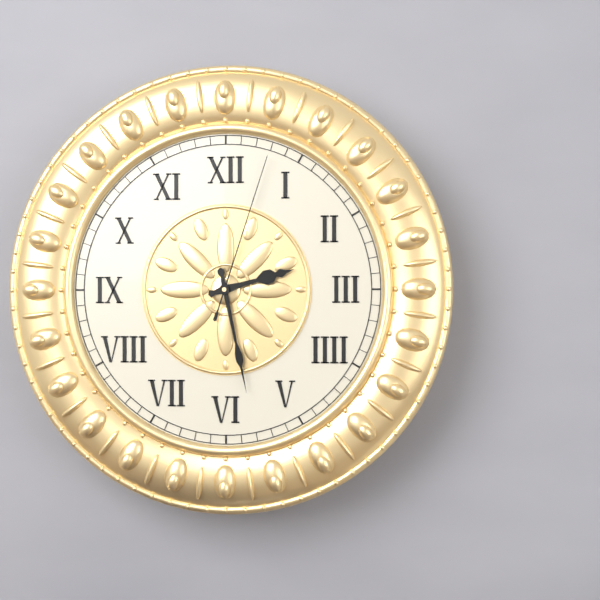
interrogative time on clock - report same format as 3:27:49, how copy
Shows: 2:28:03
